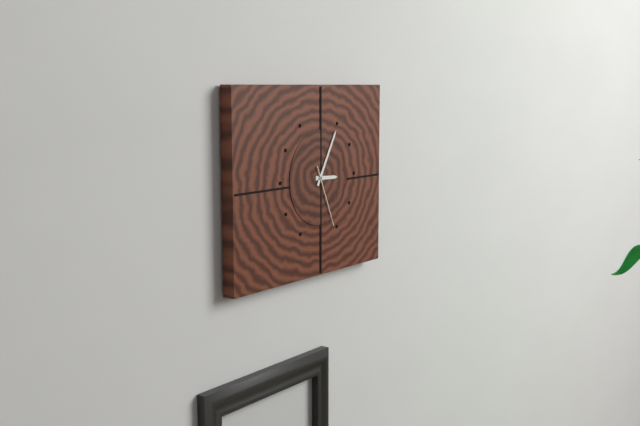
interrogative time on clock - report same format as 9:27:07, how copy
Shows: 3:05:26
